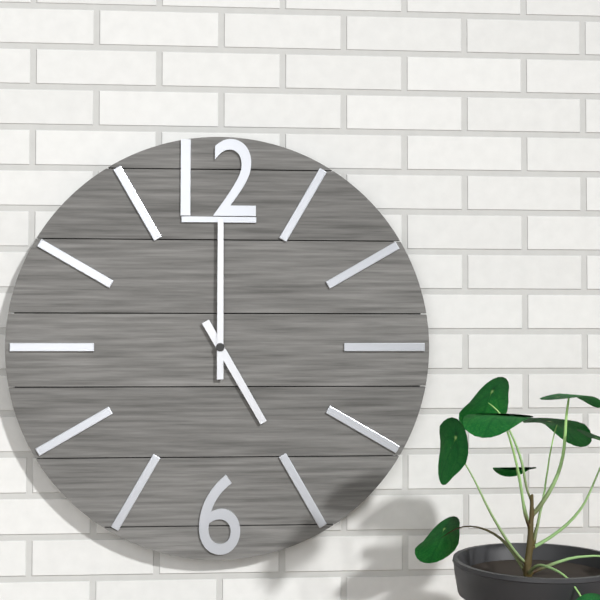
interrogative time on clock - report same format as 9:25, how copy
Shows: 5:00
